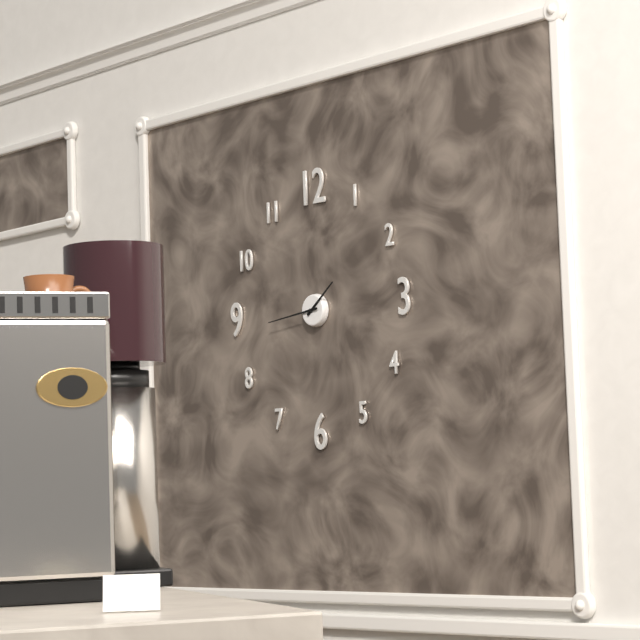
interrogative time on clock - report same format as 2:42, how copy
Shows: 1:44
